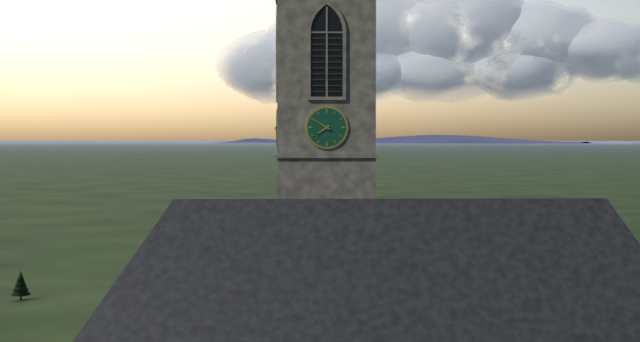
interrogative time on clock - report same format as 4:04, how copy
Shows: 7:50
